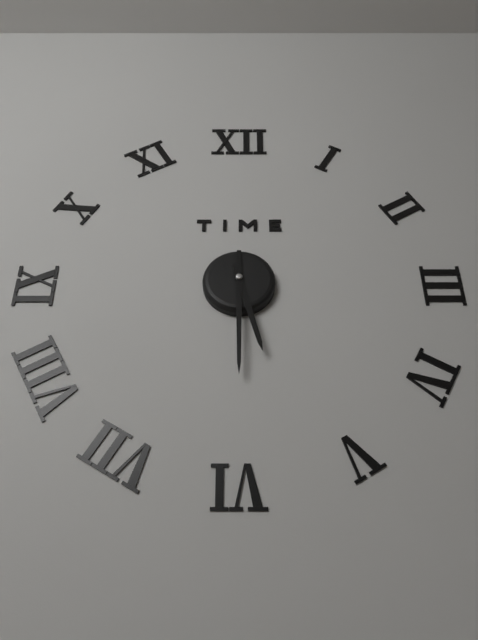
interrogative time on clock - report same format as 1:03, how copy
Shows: 5:30
